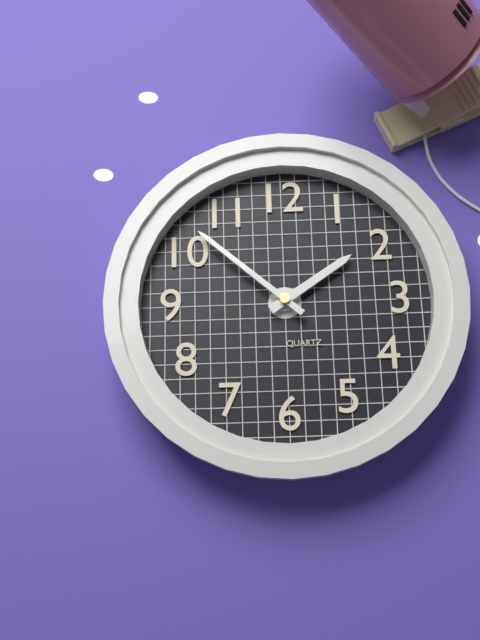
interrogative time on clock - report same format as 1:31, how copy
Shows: 1:52
